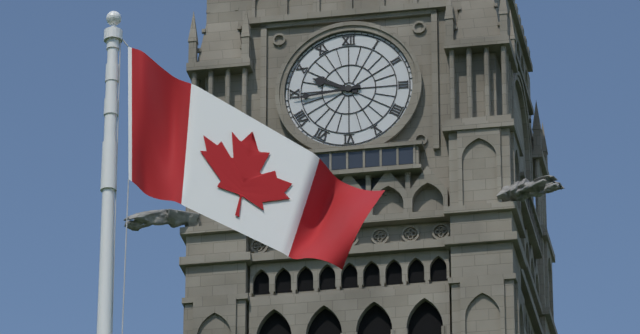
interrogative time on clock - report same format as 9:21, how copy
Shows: 9:44
